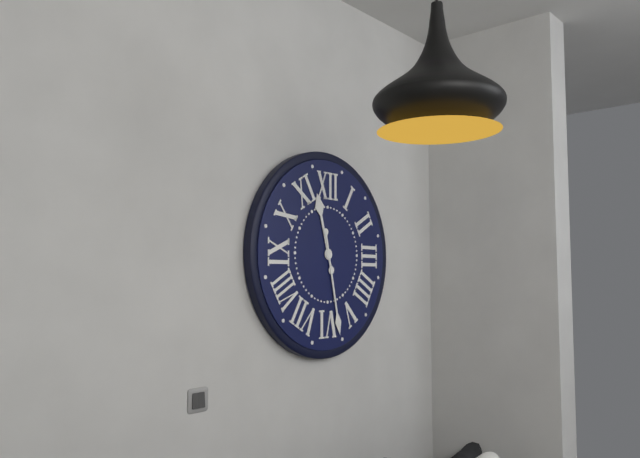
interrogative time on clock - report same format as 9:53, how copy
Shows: 11:28
